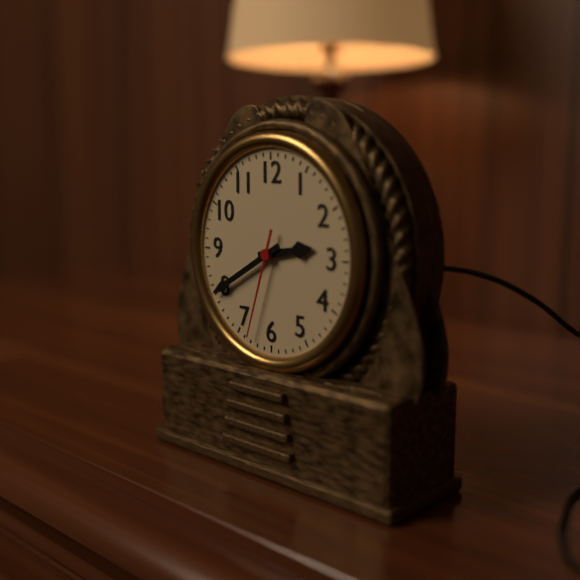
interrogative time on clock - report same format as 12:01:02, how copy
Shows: 2:40:33
